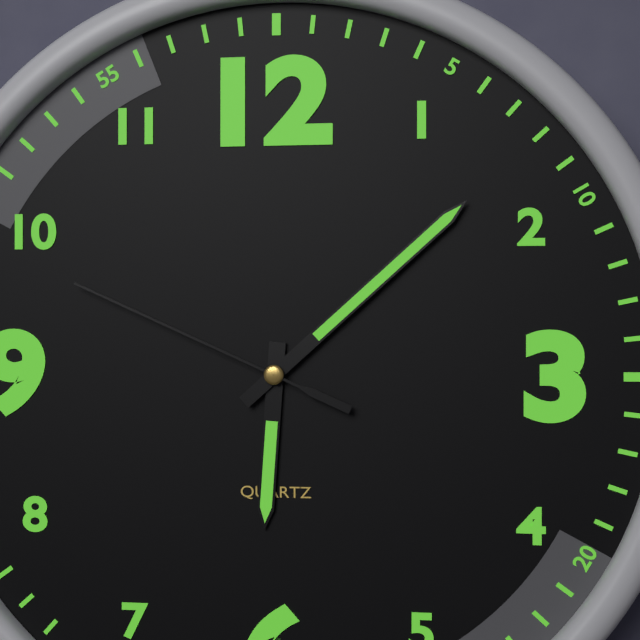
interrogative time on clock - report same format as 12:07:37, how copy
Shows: 6:08:49
